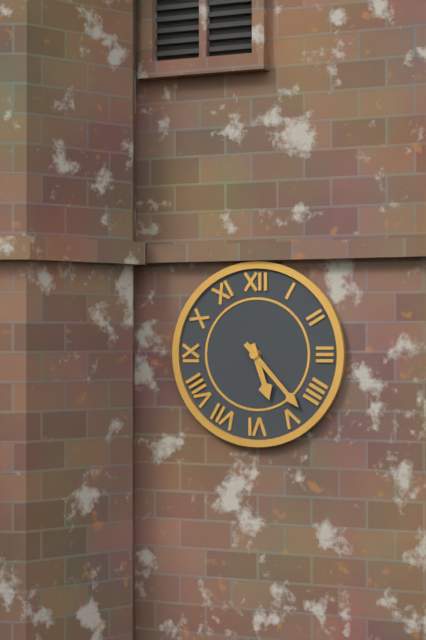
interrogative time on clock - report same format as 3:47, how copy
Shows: 5:23
